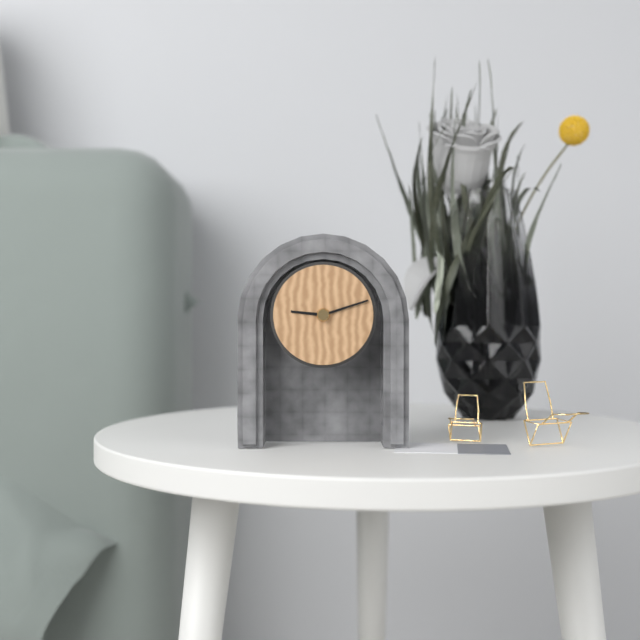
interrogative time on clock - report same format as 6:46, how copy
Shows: 9:12
